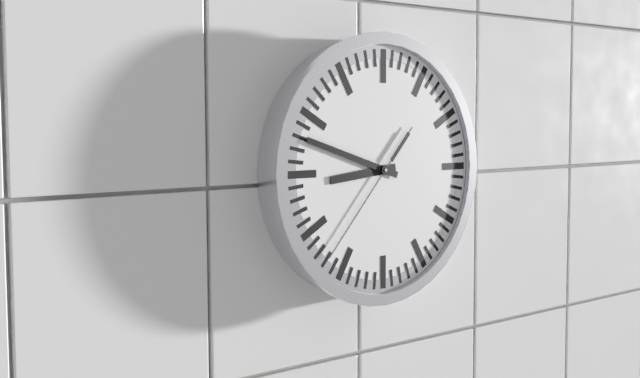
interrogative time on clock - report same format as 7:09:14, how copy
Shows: 8:48:37
